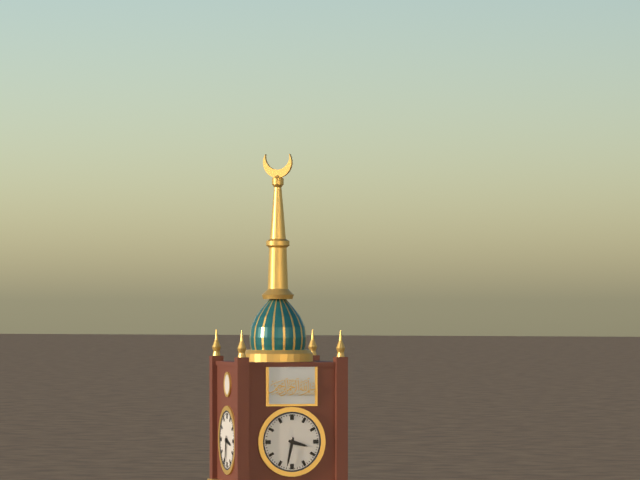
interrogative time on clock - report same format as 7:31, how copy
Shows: 3:32
